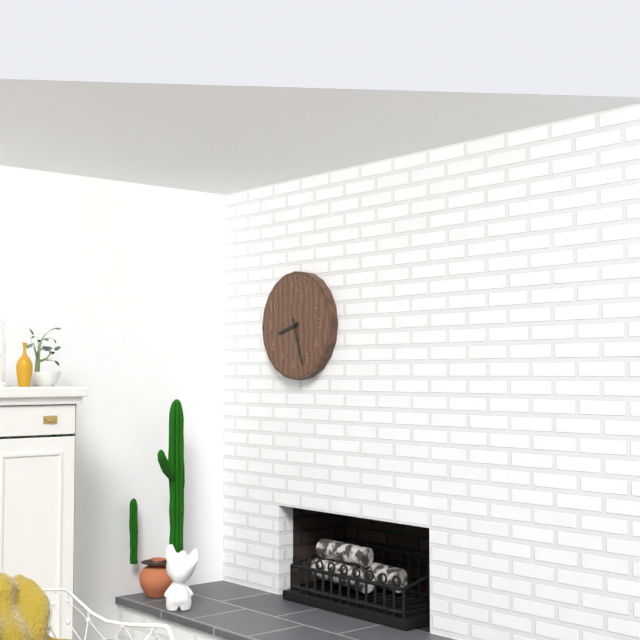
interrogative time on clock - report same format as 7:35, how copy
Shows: 8:27
